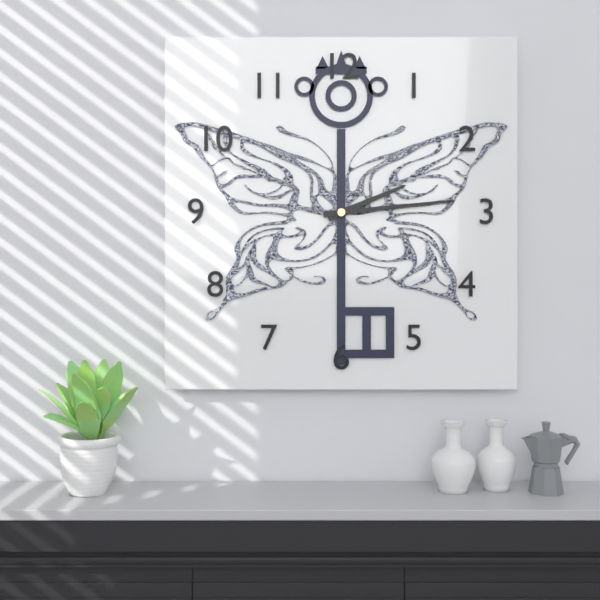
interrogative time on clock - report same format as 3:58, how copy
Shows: 2:14
